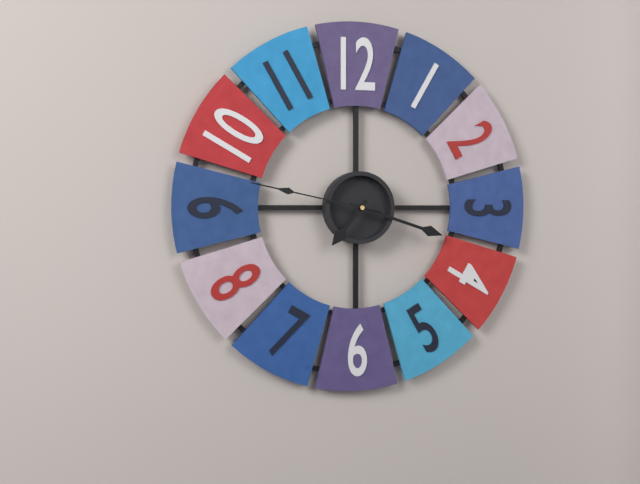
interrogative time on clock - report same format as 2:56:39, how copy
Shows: 7:18:47
